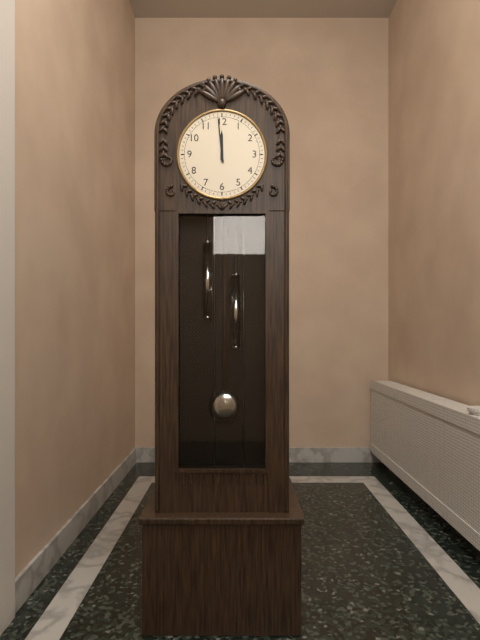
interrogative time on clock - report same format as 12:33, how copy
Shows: 11:59
